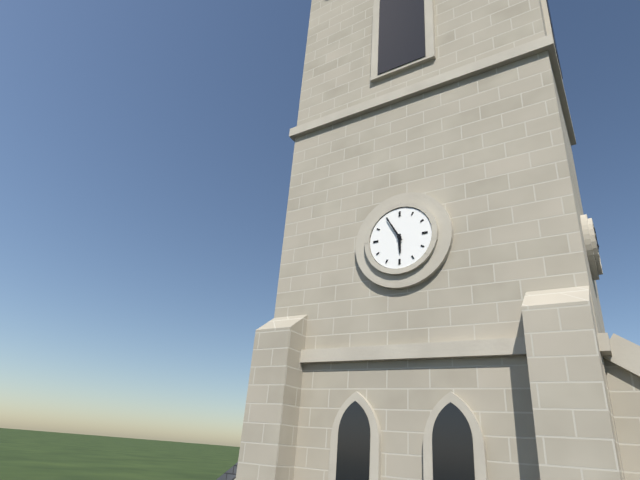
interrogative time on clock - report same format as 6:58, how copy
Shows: 5:55
